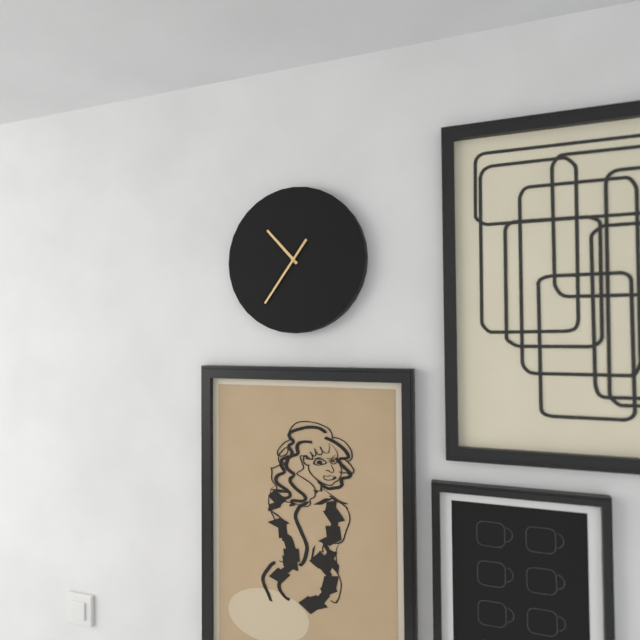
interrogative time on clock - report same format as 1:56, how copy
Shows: 10:36
